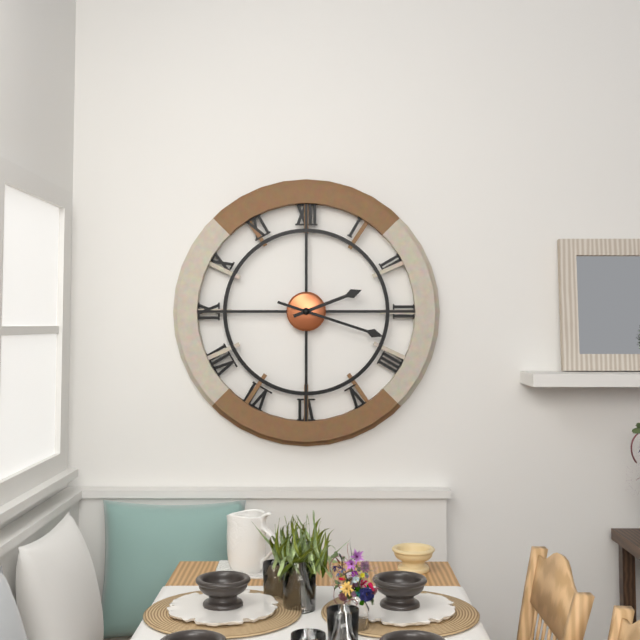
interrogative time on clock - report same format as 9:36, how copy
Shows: 2:18
